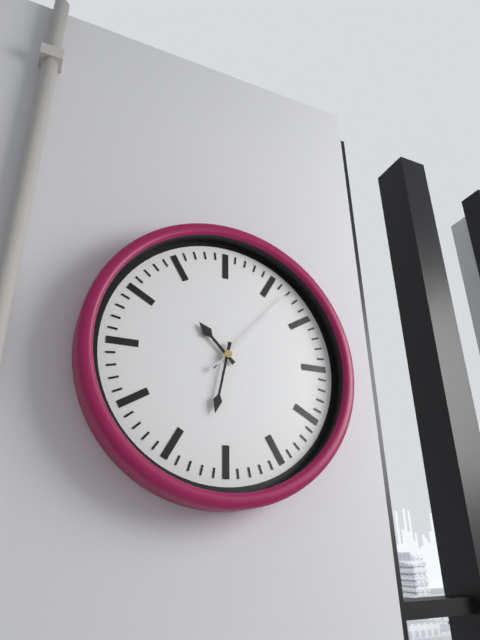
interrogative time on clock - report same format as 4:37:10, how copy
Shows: 10:32:07
